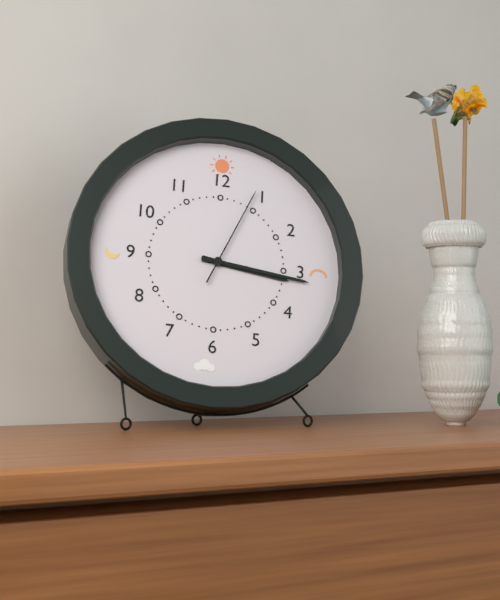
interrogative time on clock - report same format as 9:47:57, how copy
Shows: 3:16:04
